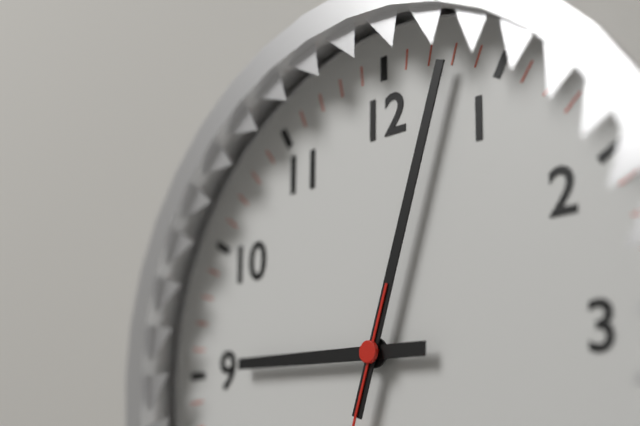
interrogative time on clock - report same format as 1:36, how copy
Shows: 9:03
